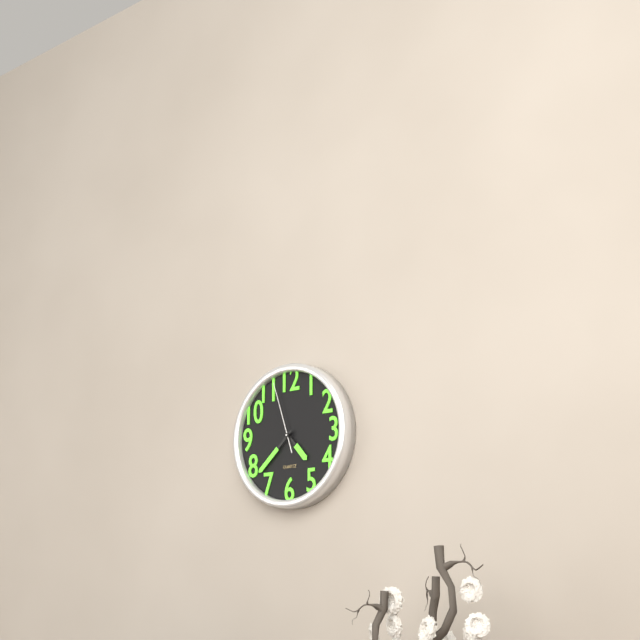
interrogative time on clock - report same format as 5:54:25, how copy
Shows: 4:38:57
